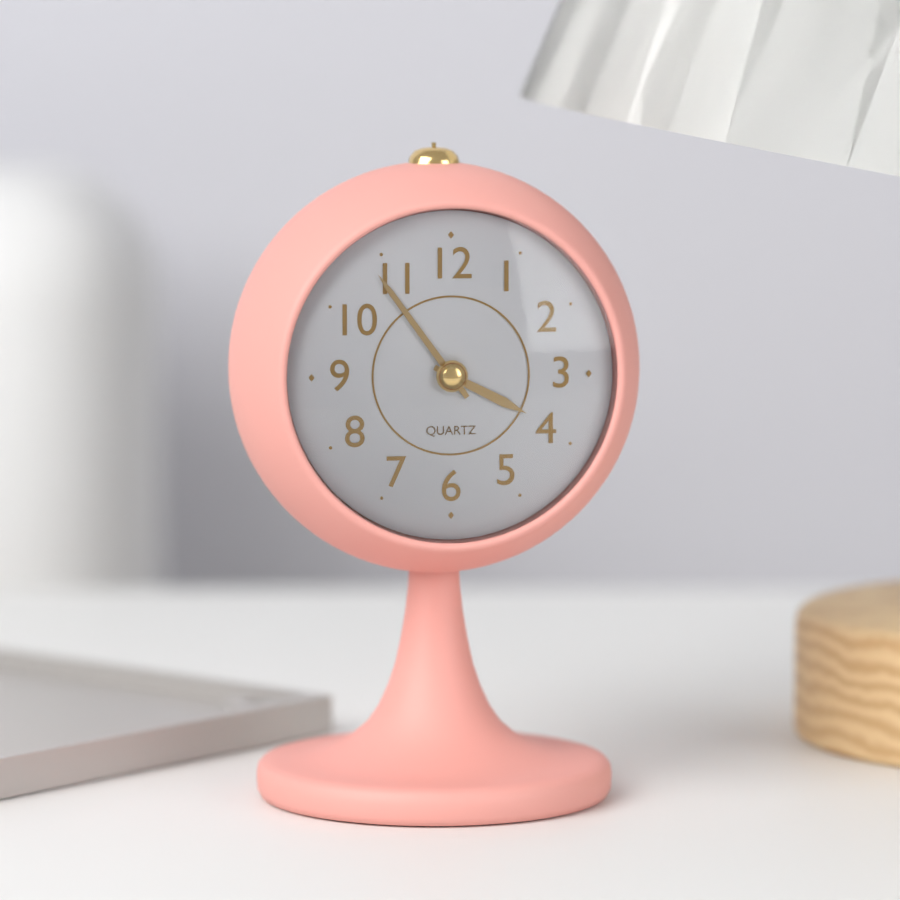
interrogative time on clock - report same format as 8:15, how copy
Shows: 3:54
